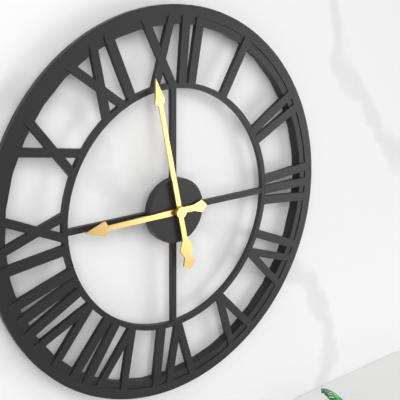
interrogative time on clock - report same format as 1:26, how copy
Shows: 8:58
